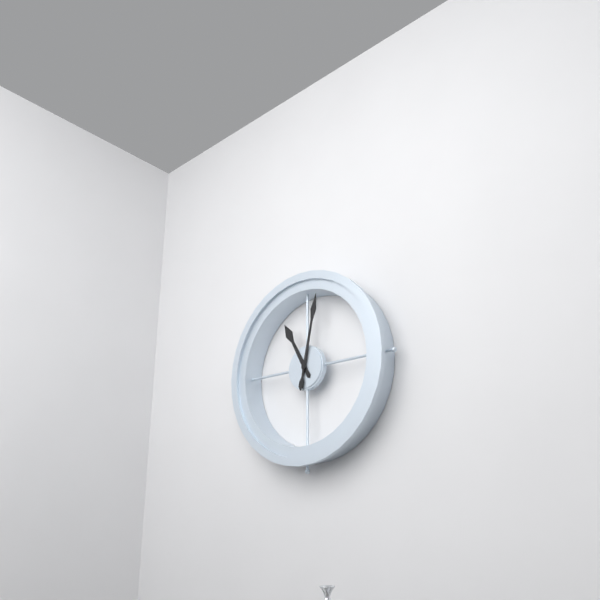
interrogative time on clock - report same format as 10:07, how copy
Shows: 11:02
